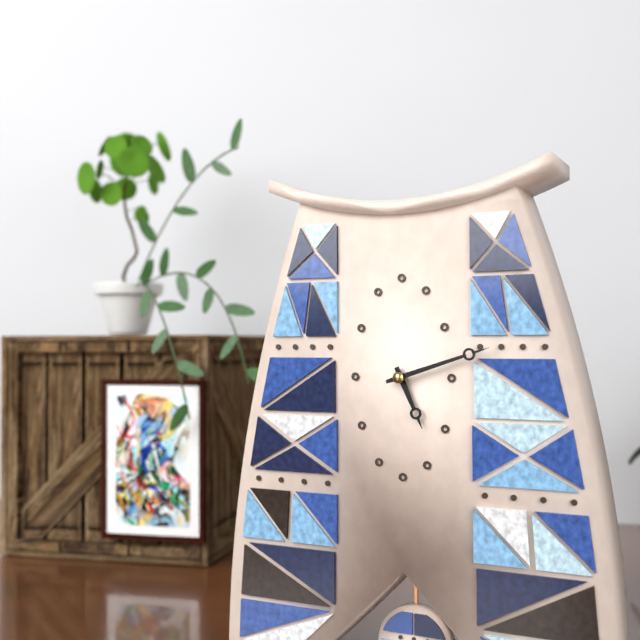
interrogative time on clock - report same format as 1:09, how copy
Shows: 5:12
